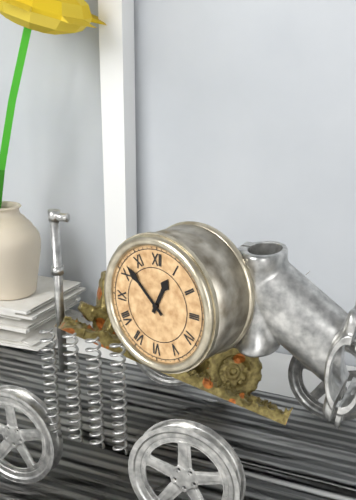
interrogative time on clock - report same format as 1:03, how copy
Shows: 12:52
